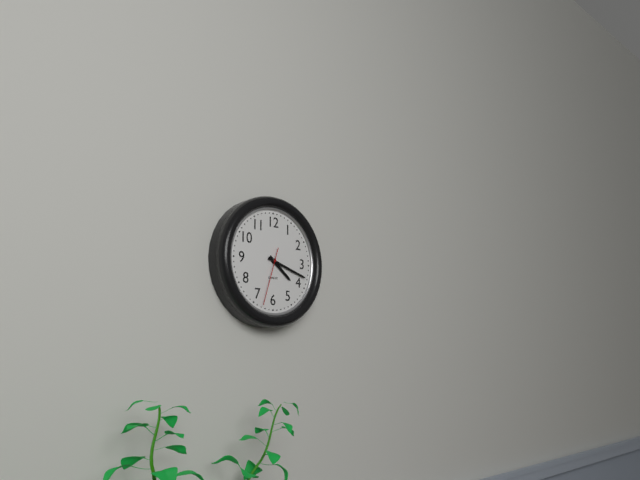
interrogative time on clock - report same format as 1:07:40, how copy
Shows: 4:18:33
